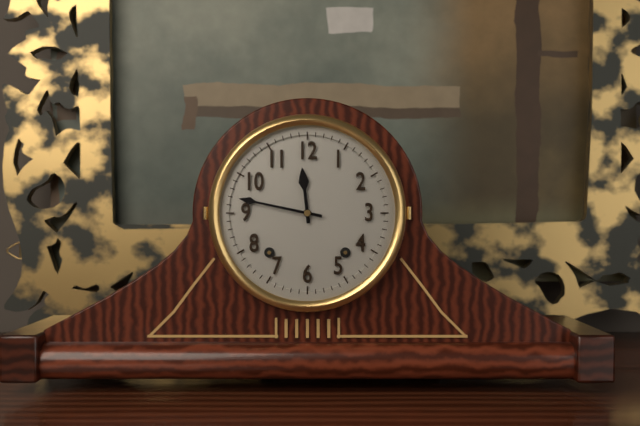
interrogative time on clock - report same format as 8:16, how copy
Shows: 11:47
